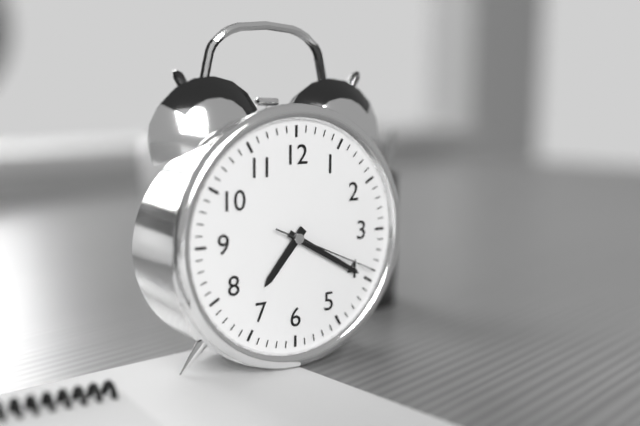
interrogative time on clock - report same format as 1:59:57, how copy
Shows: 7:20:19
